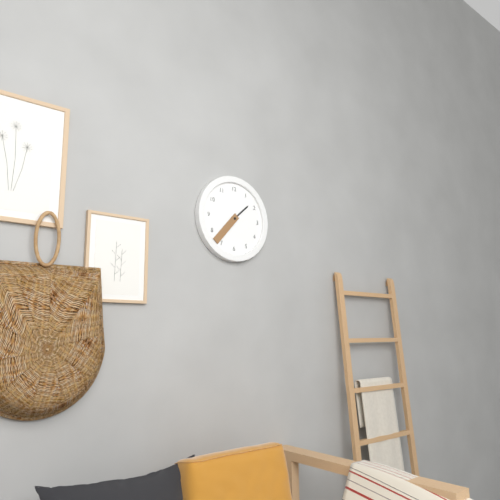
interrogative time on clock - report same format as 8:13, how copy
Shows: 1:37
